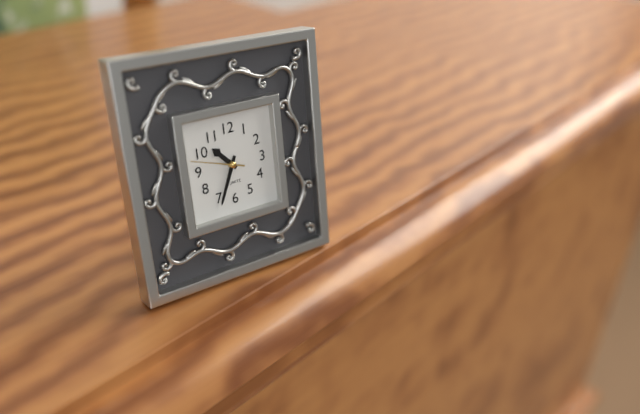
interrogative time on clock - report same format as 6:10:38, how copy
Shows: 10:34:48
